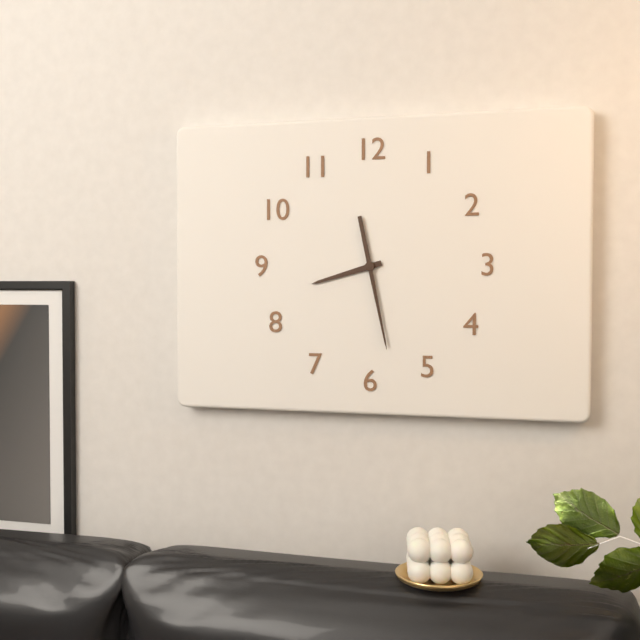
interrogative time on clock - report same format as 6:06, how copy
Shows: 8:28
